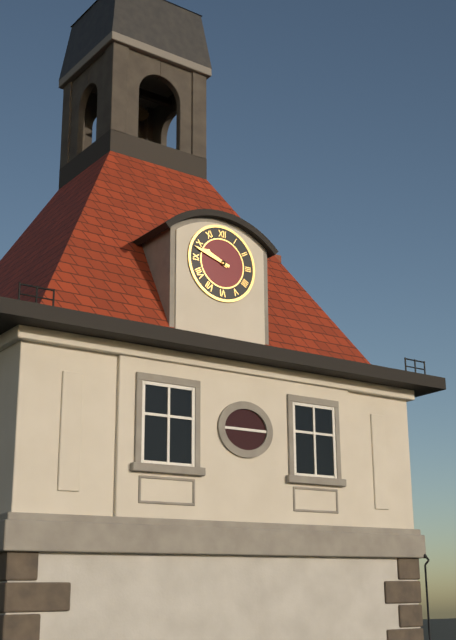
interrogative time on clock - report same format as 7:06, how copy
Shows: 9:48
